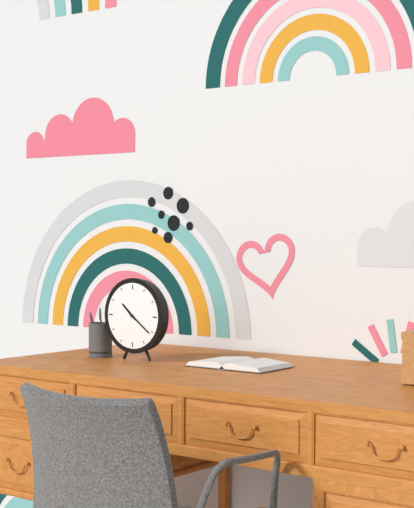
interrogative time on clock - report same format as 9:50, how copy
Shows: 10:21
